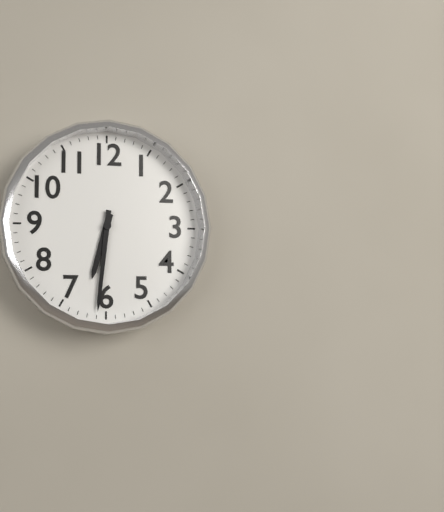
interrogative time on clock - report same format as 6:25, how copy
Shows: 6:31
